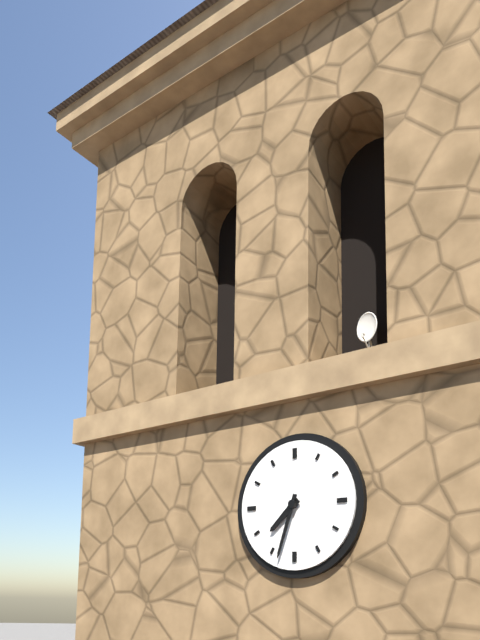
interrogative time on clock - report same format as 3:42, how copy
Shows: 7:33
